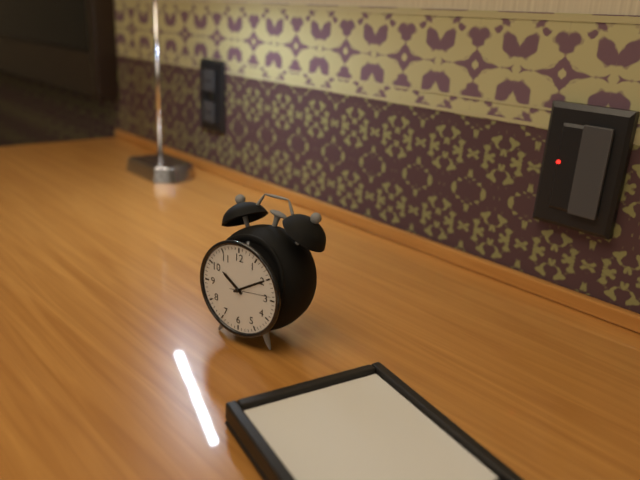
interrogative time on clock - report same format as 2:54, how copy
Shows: 10:10
